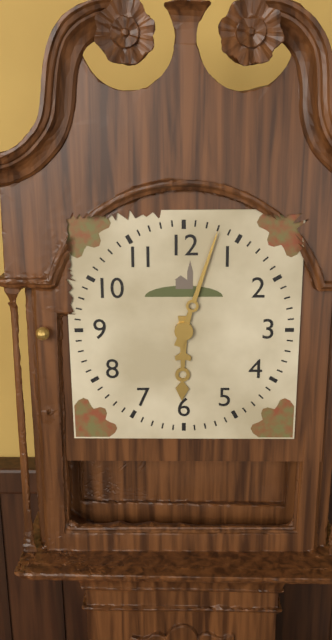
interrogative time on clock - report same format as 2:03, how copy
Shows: 6:03
